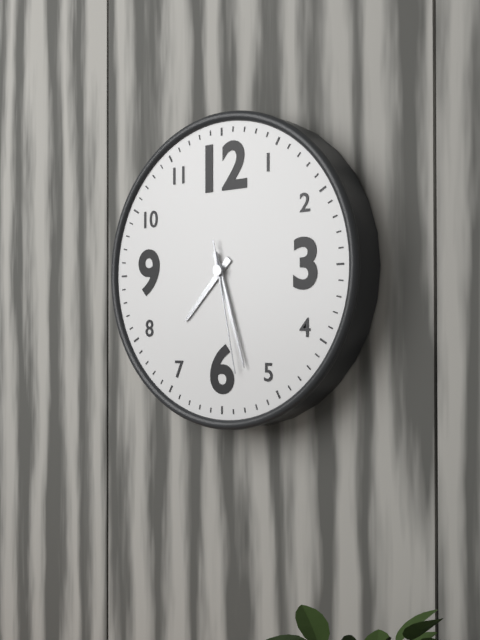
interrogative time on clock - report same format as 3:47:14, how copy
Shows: 7:27:28
